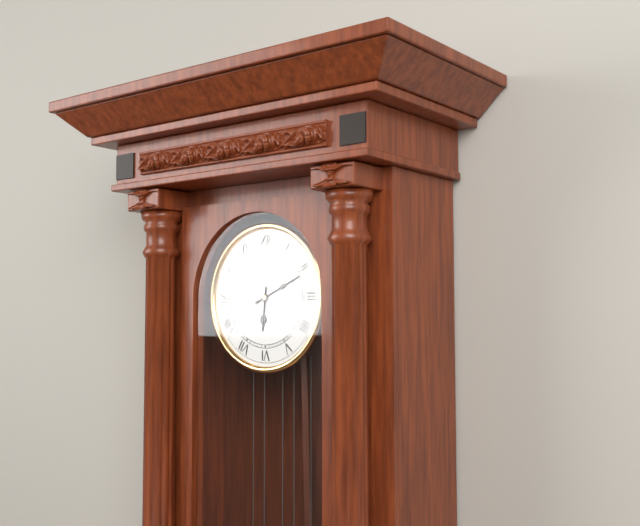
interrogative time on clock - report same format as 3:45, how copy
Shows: 6:11
